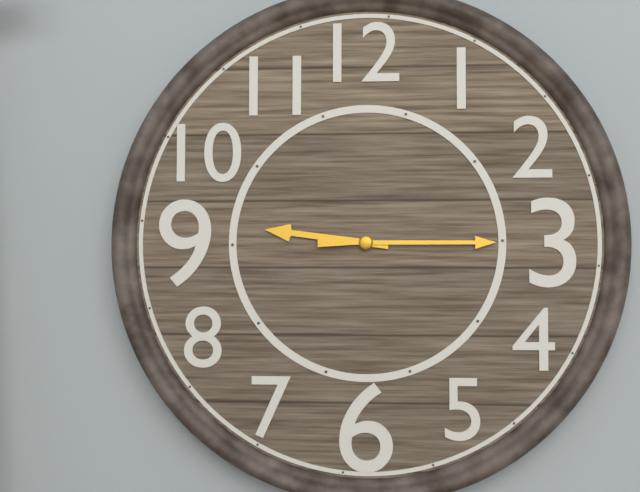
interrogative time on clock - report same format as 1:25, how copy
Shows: 9:15
